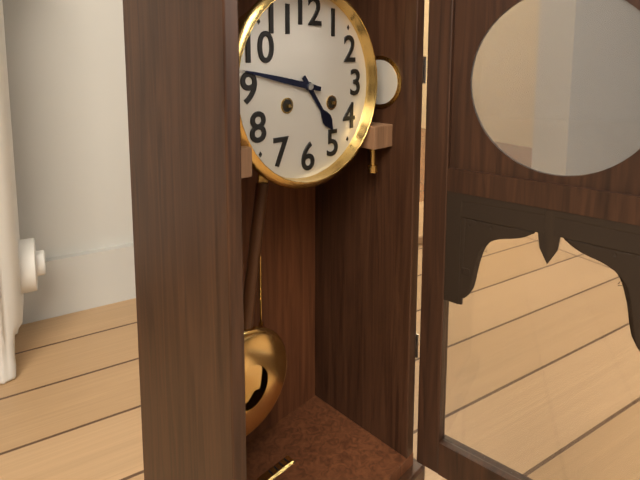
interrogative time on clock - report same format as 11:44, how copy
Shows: 4:47
